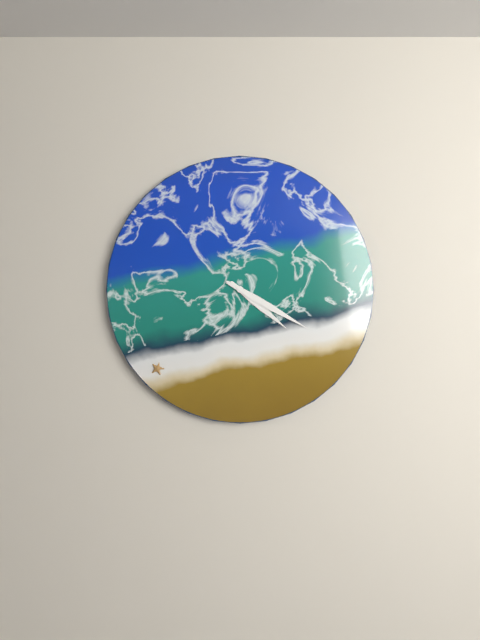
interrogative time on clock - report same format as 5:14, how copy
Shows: 4:20
